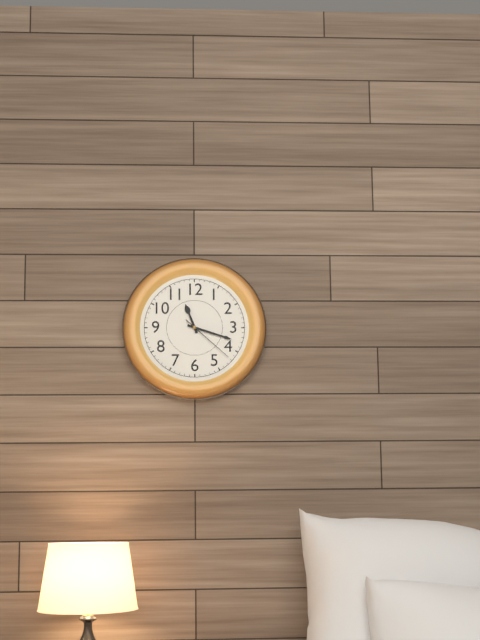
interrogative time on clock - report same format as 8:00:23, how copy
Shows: 11:18:22
